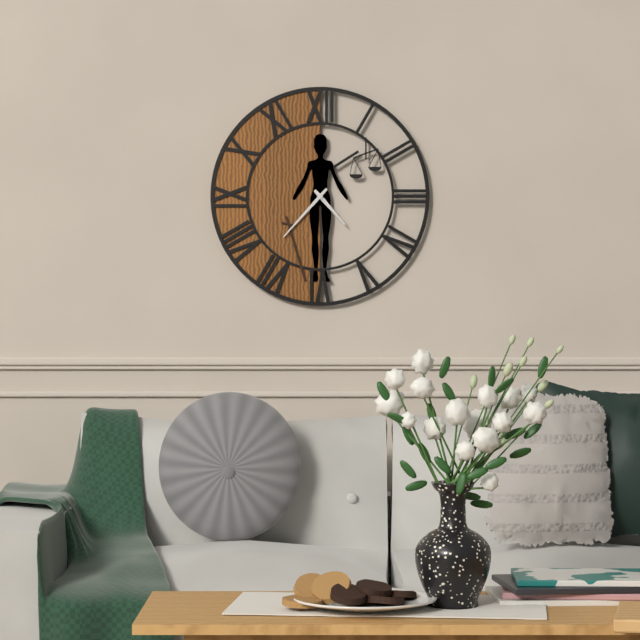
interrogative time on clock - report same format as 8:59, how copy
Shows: 4:37
